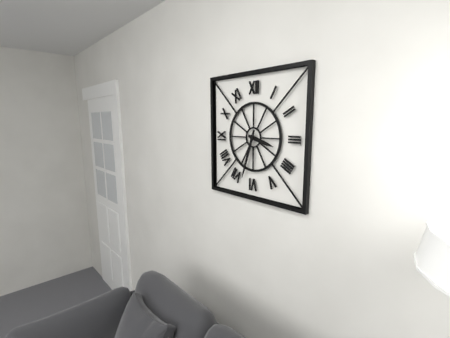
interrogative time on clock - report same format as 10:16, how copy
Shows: 3:33
